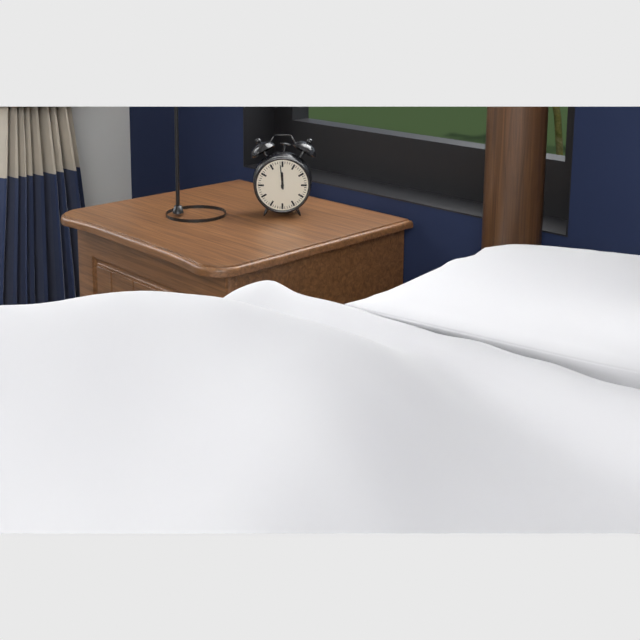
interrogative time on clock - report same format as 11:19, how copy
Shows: 11:59
